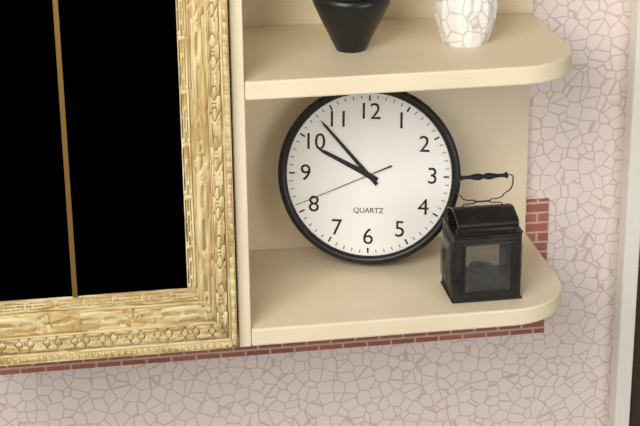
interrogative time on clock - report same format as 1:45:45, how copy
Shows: 9:53:41
